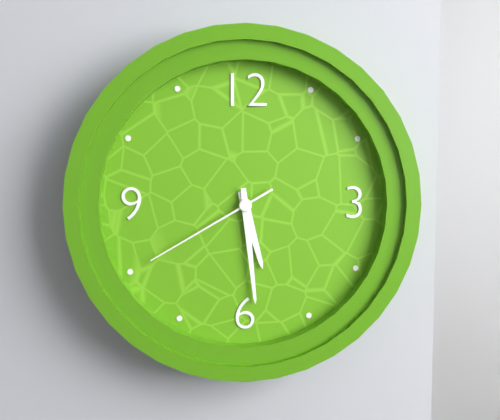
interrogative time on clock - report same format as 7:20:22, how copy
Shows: 5:29:40
